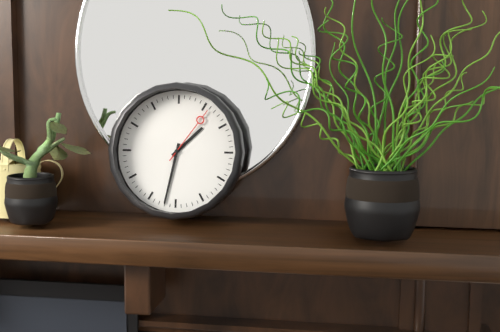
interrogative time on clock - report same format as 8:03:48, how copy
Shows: 1:32:06
